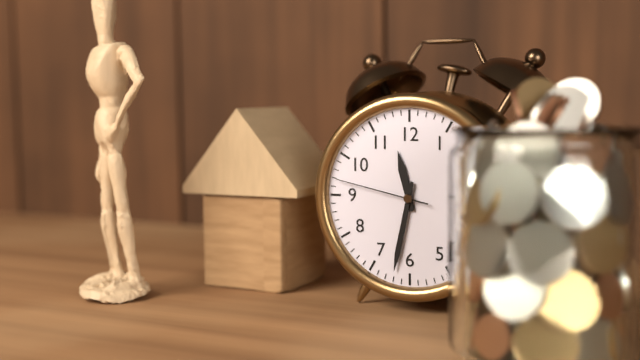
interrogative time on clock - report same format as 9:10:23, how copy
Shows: 11:32:47
